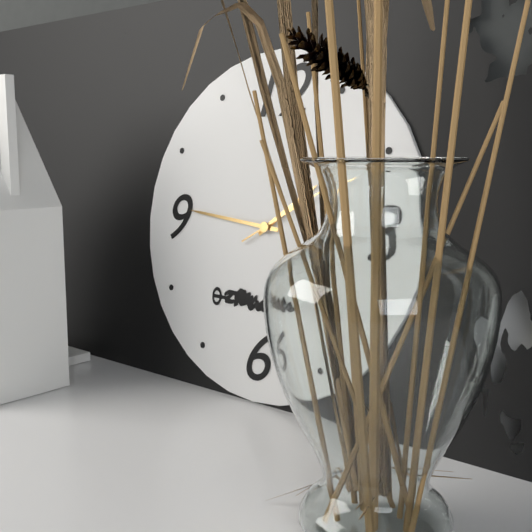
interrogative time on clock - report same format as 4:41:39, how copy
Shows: 1:46:10
